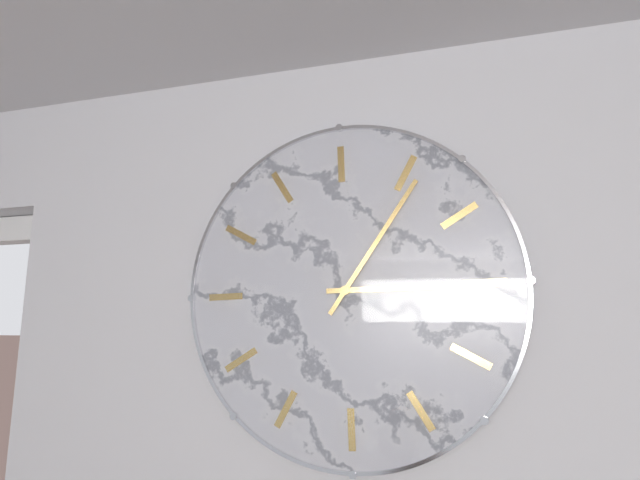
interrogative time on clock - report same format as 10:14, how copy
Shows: 2:01
